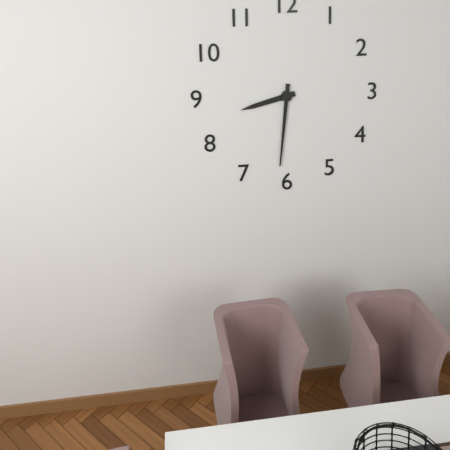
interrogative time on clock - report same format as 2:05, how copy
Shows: 8:31
